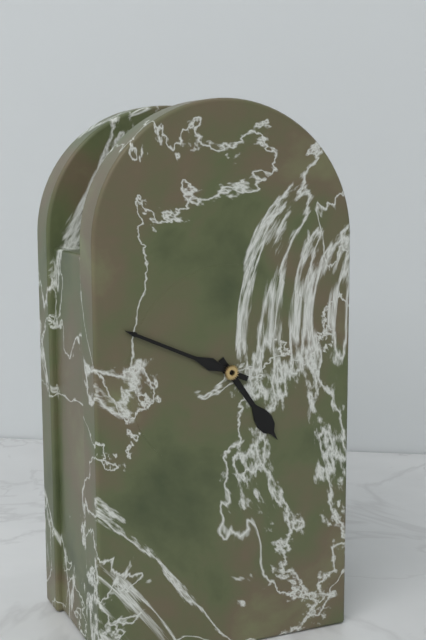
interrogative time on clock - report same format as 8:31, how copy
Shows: 4:49
